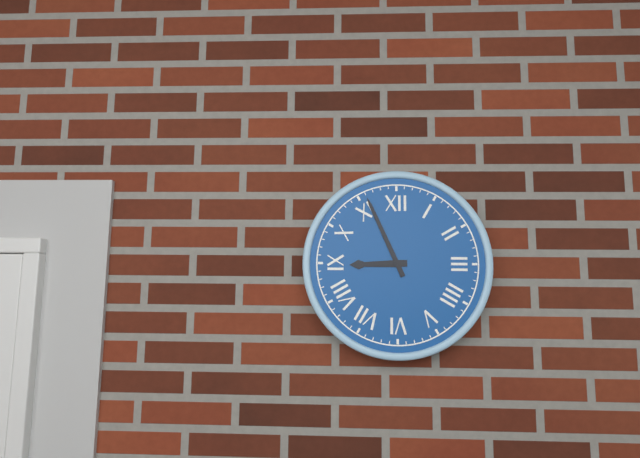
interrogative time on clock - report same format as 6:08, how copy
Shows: 8:56
